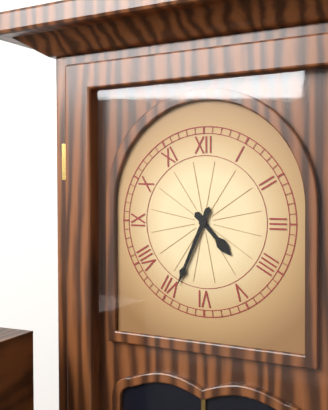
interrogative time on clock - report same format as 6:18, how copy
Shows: 4:34
